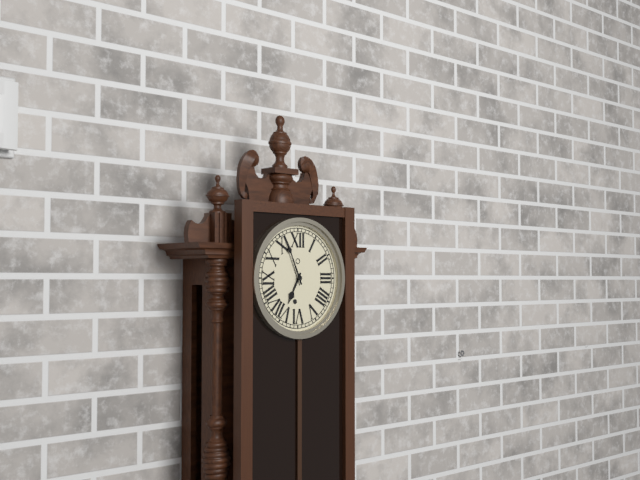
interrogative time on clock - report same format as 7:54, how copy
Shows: 6:56
